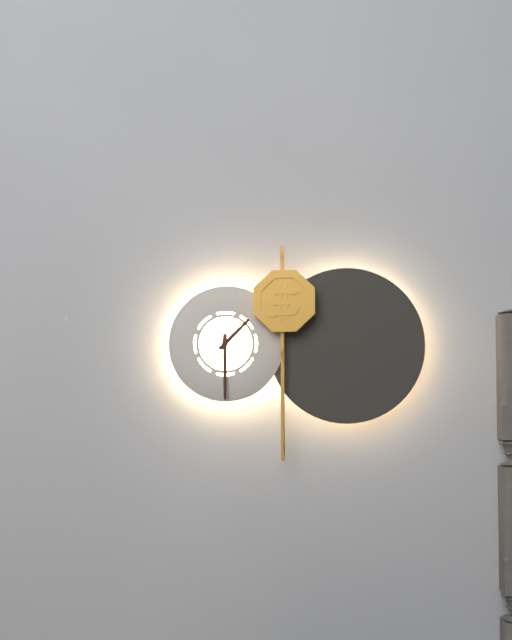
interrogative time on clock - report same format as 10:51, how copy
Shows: 1:30
